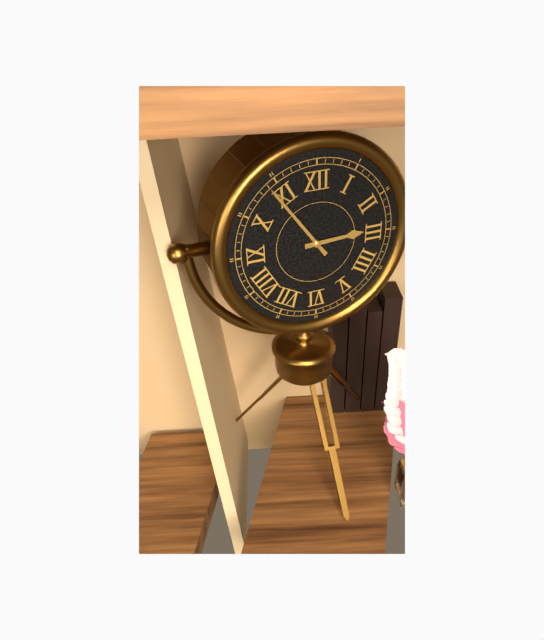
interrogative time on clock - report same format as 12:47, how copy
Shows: 2:54
